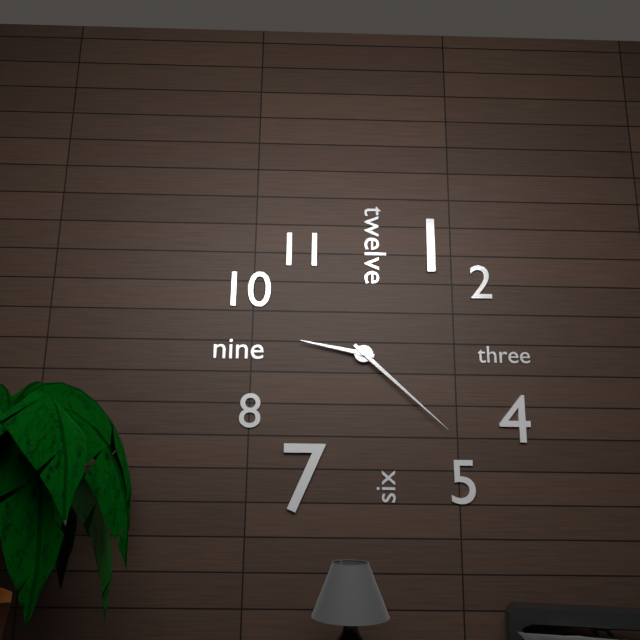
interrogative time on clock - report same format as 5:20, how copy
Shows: 9:22
